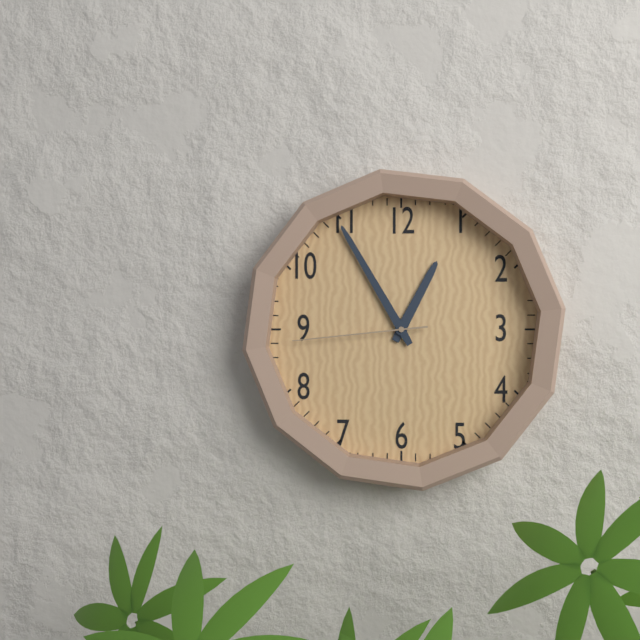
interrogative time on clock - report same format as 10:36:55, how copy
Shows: 12:55:44
